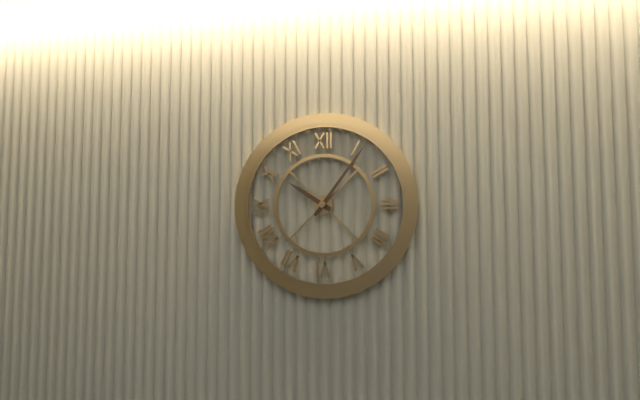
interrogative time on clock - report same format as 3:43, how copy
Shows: 10:06
